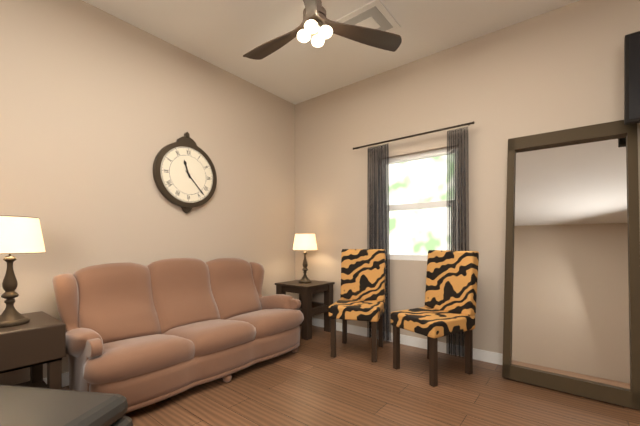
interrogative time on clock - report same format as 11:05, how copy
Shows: 11:23
